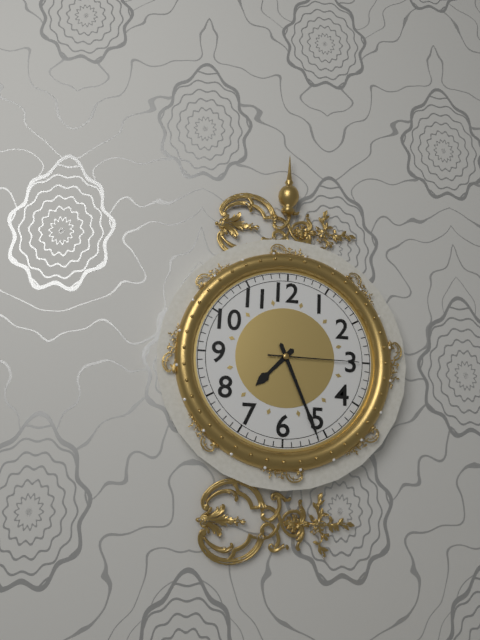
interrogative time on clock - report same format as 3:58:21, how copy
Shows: 7:26:15
